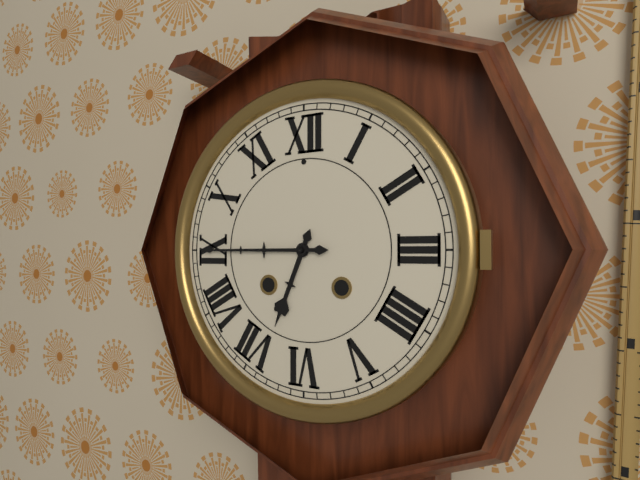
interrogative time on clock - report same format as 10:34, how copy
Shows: 6:45
